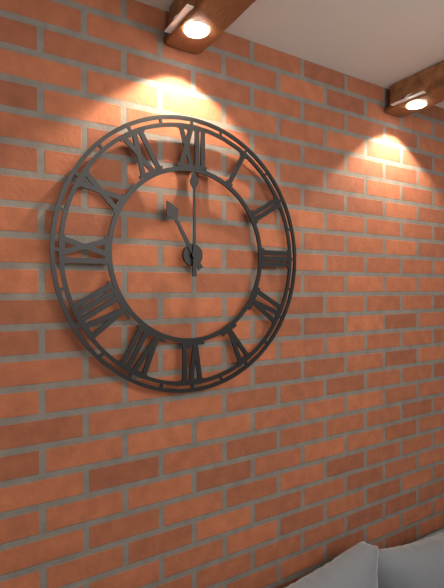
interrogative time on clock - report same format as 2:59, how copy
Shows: 11:00
